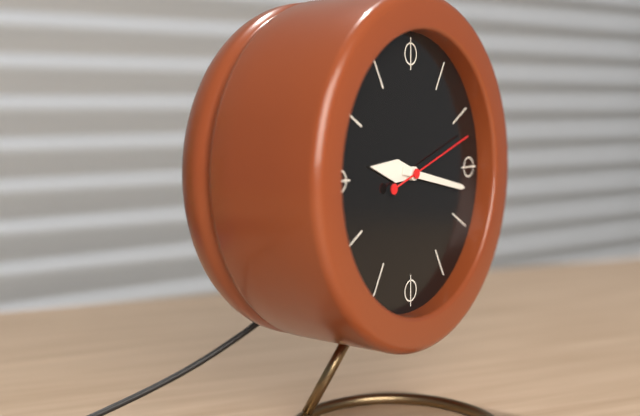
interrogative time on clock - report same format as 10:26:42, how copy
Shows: 9:17:12
